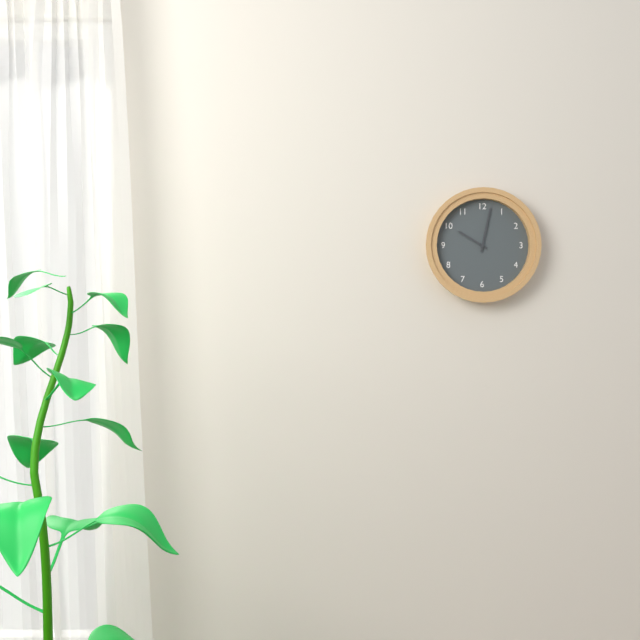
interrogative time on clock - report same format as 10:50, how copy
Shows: 10:02
